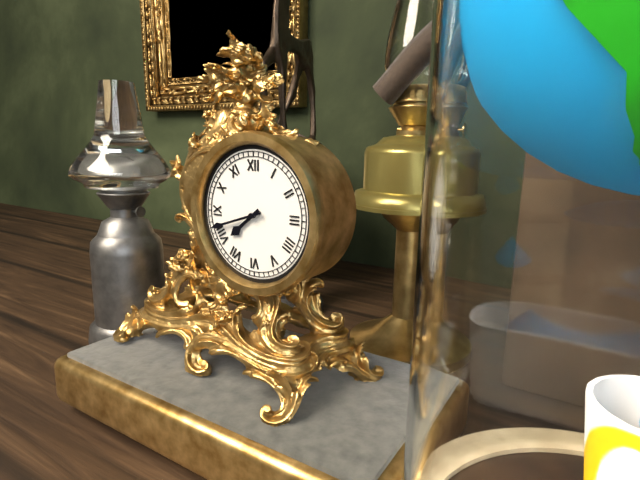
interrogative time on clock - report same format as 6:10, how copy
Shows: 7:42
